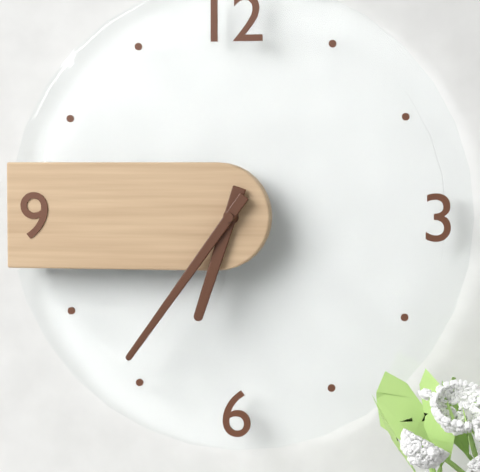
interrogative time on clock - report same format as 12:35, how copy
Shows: 6:36
